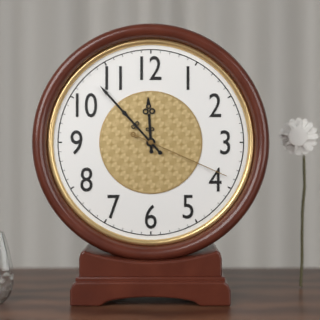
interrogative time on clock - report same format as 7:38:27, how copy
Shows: 11:53:19
